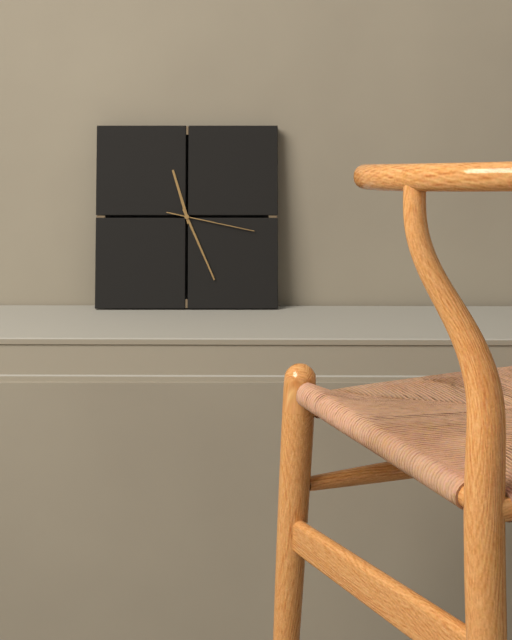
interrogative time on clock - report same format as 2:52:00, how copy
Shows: 11:26:17
